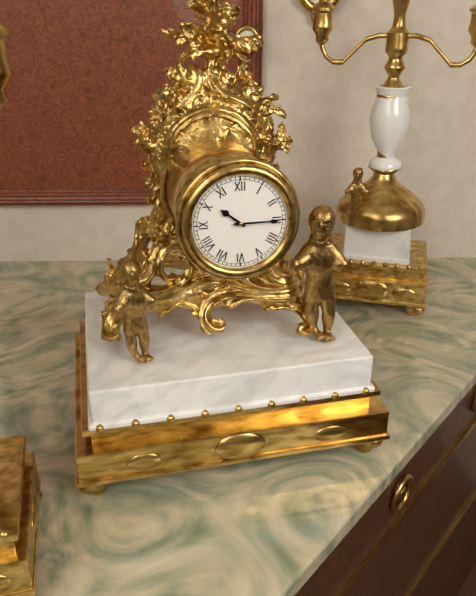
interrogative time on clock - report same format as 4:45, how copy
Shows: 10:15
